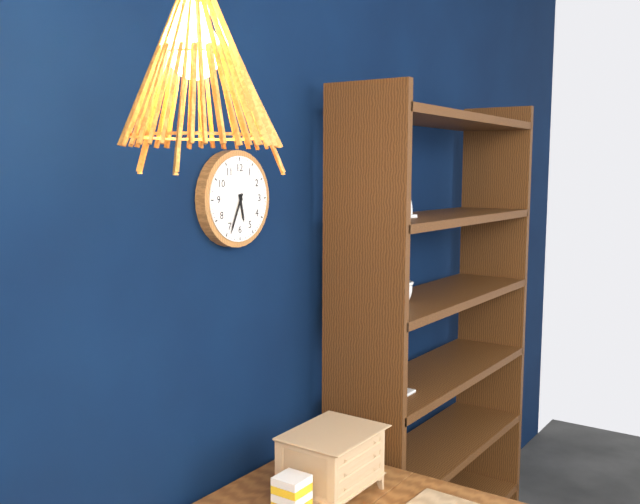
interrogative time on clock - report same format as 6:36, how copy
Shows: 5:34
